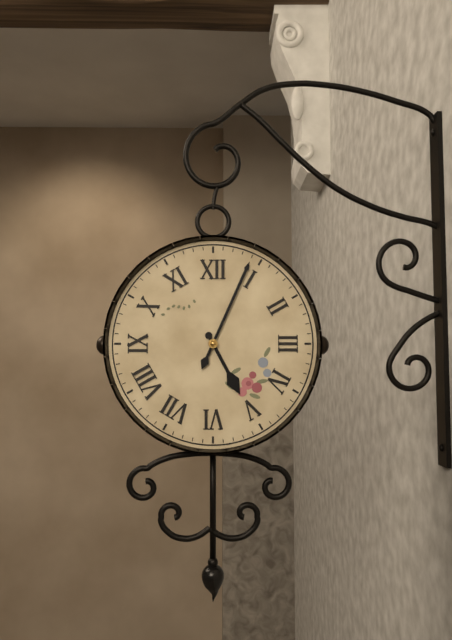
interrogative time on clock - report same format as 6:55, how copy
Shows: 5:04
